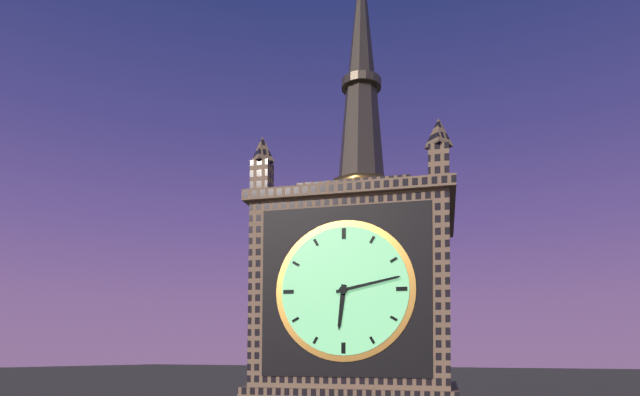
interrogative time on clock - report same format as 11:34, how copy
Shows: 6:13
